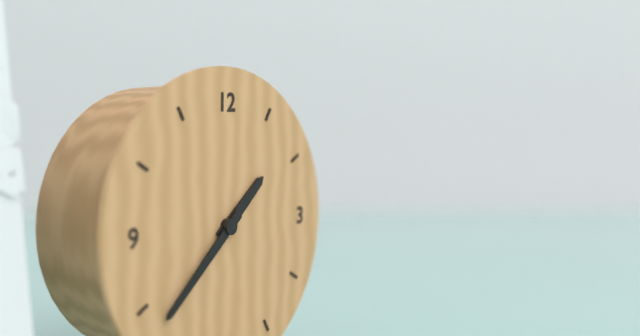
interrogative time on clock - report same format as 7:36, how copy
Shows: 1:38
